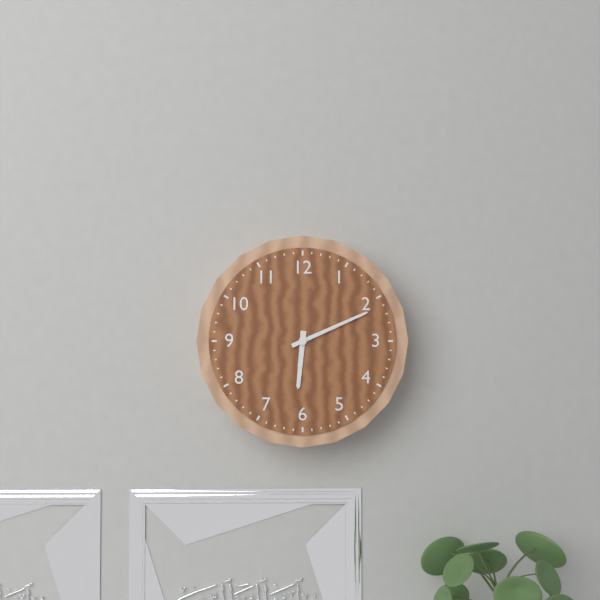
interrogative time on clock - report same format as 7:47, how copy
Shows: 6:11
